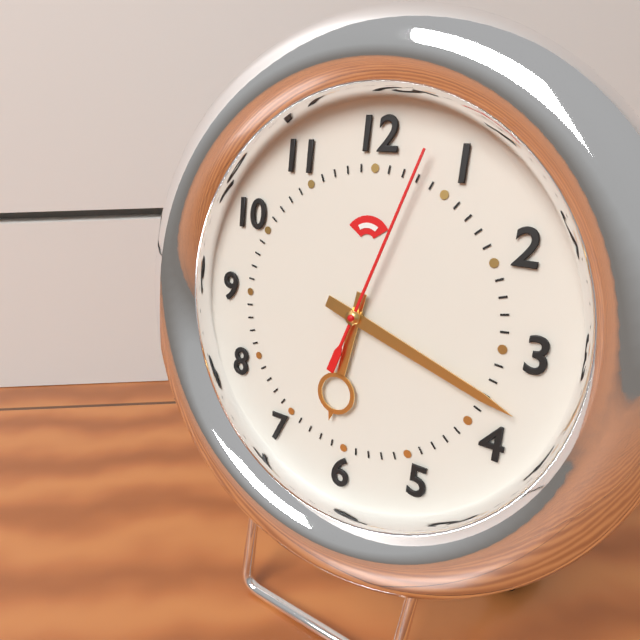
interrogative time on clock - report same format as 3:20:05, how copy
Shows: 6:18:03
